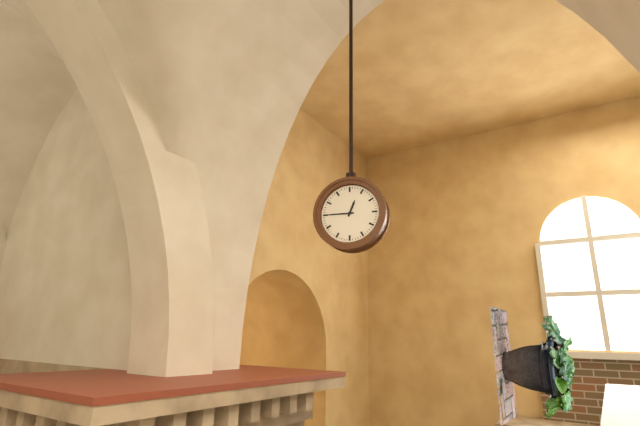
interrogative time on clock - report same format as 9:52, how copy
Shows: 12:45
